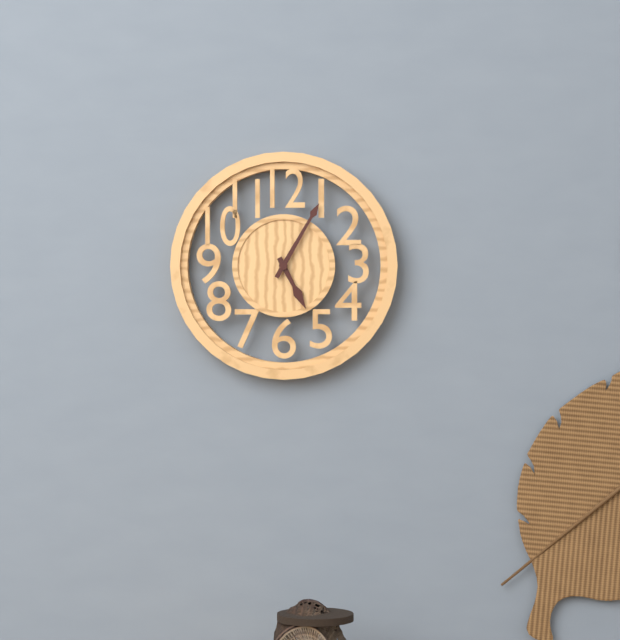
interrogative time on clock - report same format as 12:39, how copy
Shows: 5:05
